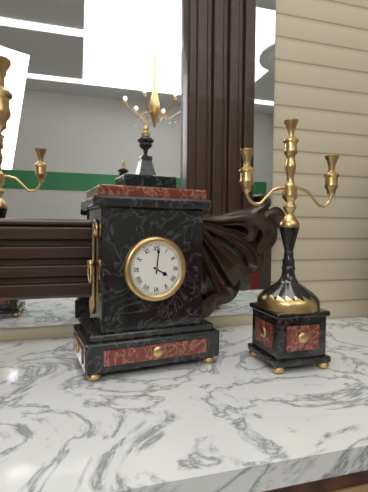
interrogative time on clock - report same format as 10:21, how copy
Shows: 4:01
